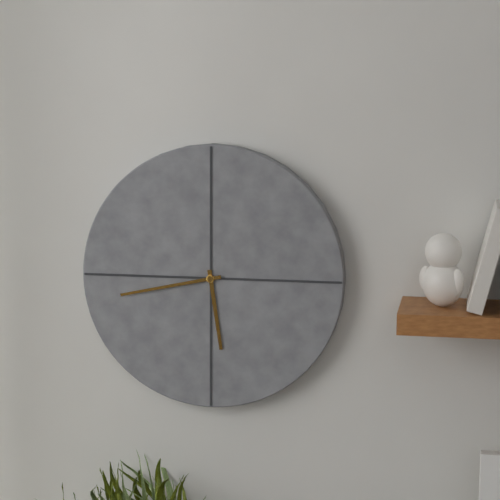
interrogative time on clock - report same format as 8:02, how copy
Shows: 5:43
